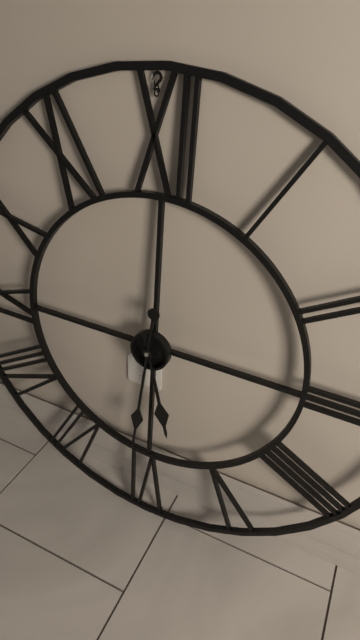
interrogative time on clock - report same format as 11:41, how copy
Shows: 5:31
